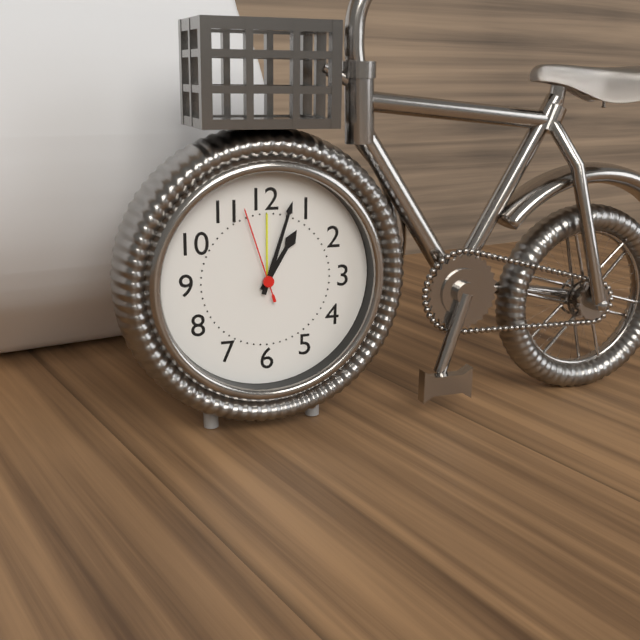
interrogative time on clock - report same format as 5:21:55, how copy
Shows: 1:03:57
